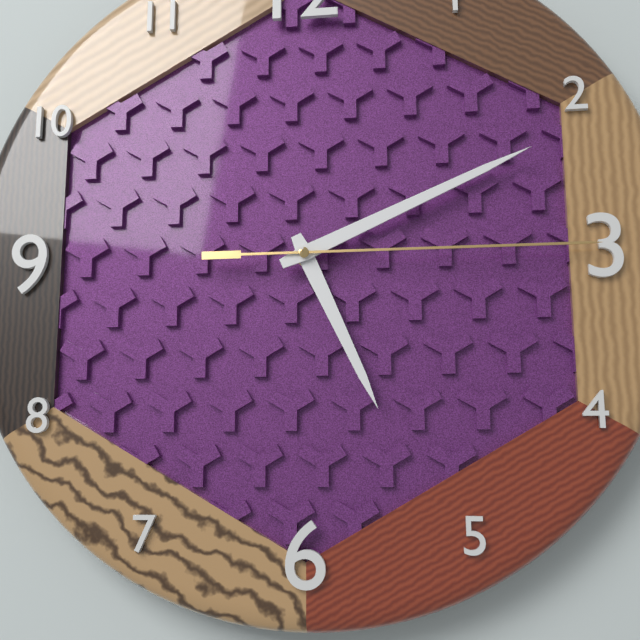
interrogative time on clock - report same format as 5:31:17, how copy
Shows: 5:11:15
